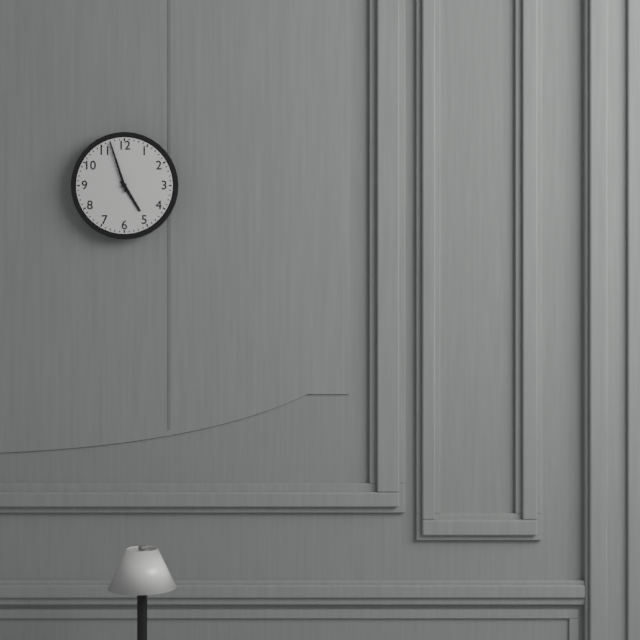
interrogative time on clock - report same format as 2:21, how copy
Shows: 4:57
